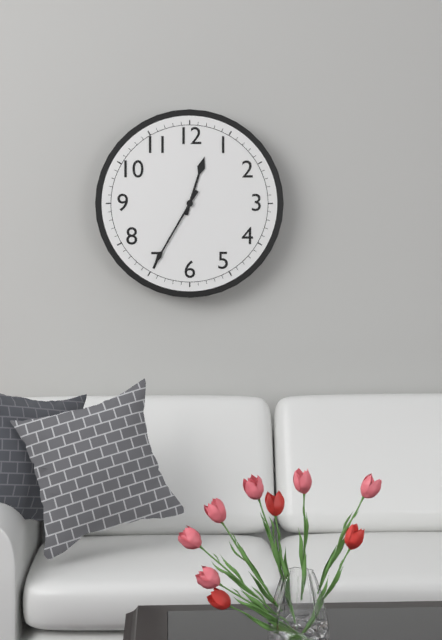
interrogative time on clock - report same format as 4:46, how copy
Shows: 12:35
